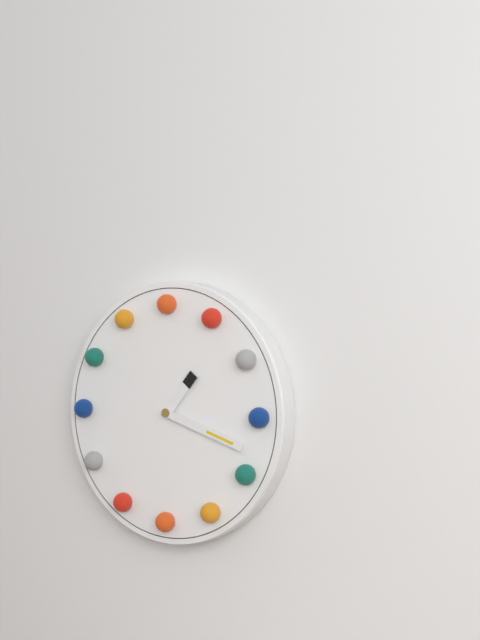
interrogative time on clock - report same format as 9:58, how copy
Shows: 1:18
